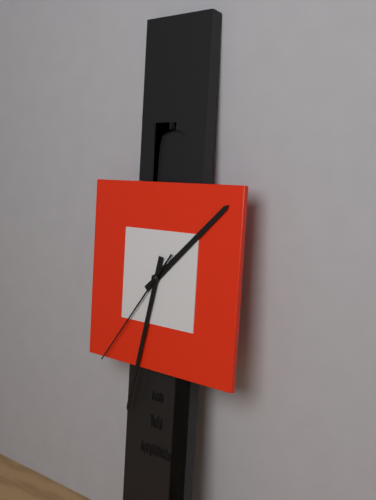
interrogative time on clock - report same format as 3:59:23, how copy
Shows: 1:32:36
